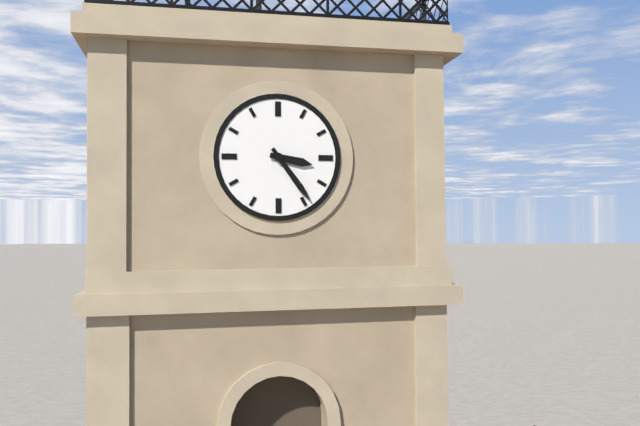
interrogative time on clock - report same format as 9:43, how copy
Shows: 3:24
